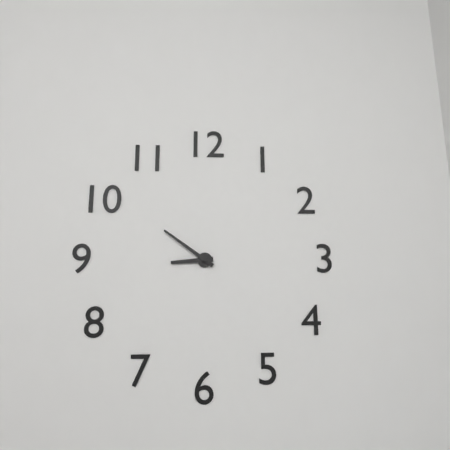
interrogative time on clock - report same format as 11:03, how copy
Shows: 8:51
